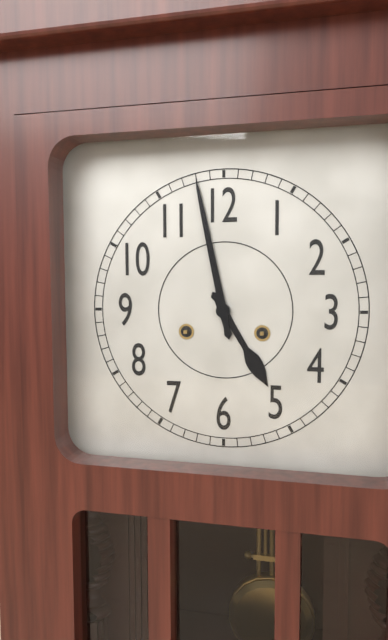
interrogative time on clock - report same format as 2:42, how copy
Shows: 4:58
